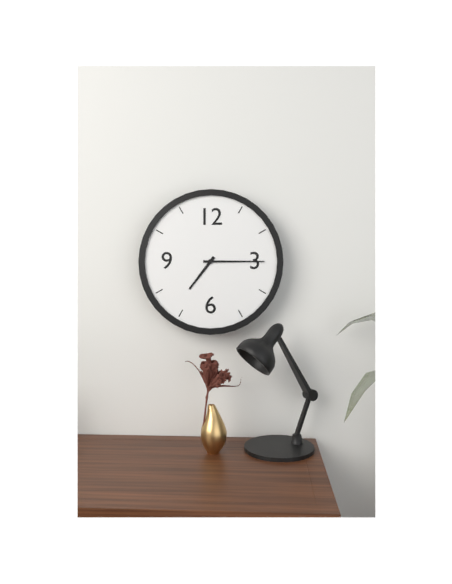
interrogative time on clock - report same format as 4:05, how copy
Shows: 7:15
